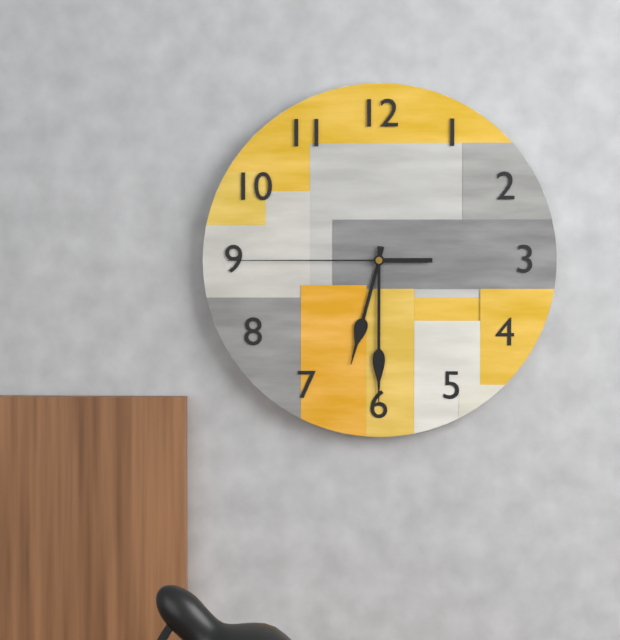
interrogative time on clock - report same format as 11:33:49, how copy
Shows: 6:30:45
